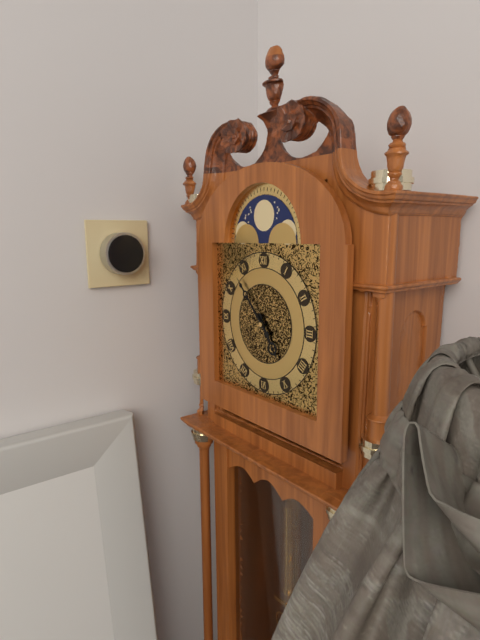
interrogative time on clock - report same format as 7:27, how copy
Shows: 4:53
